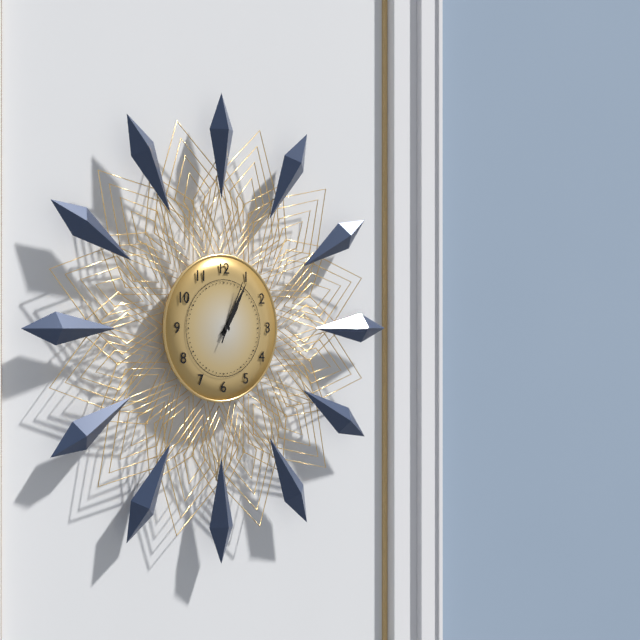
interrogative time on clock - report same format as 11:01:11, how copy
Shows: 1:05:04
